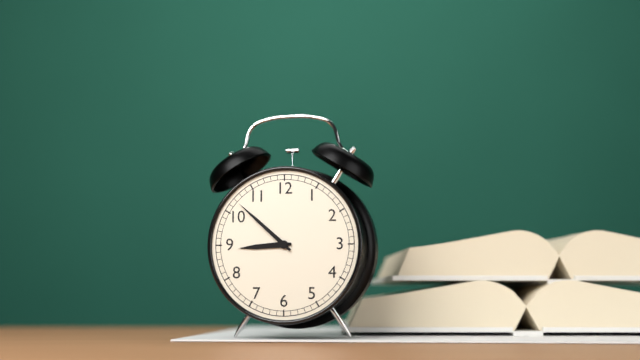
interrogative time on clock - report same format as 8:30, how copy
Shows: 8:52
